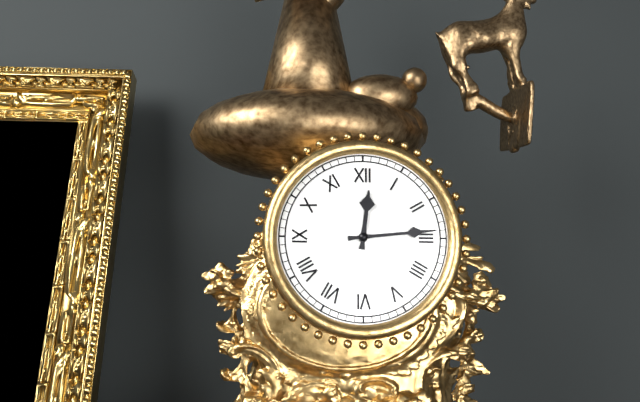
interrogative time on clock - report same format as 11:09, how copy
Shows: 12:14
